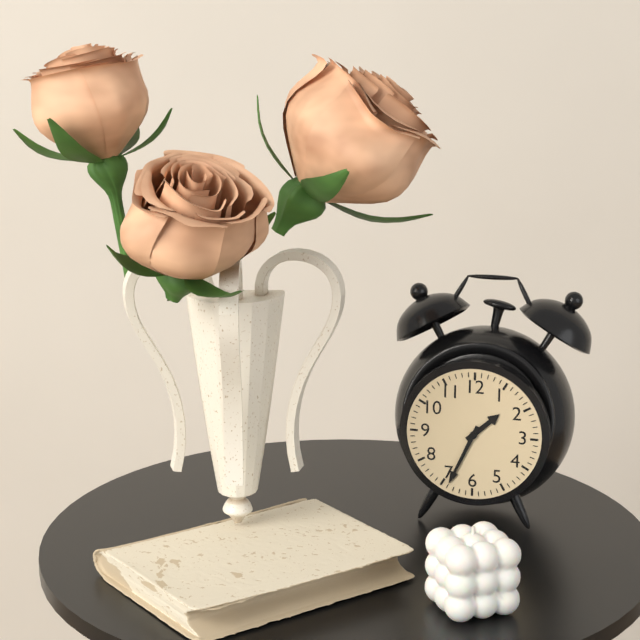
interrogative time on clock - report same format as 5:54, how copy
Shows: 1:34
